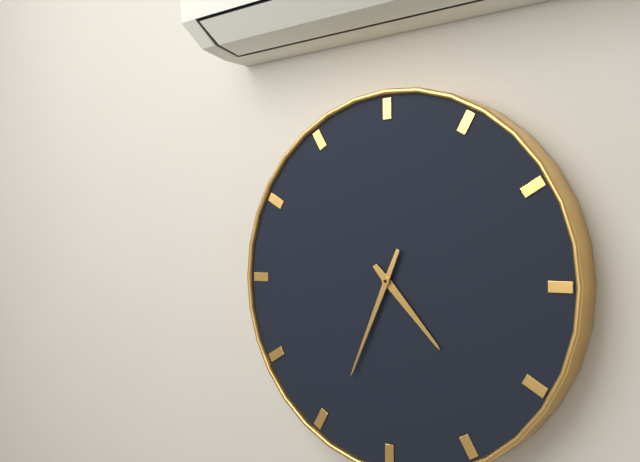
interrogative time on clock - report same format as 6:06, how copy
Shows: 4:34
